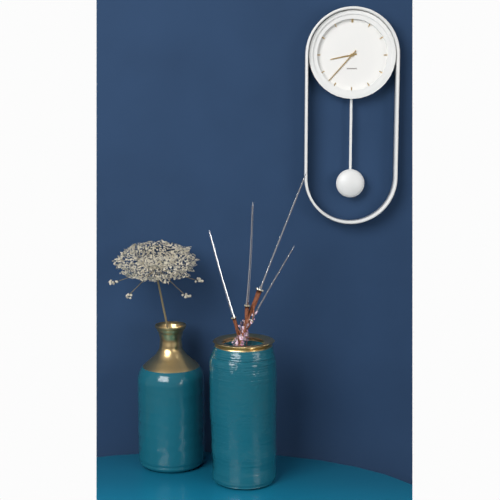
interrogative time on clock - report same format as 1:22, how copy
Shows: 8:37
